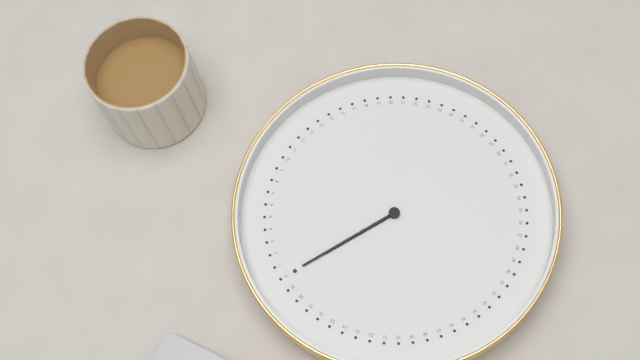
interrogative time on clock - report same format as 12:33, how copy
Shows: 12:00
